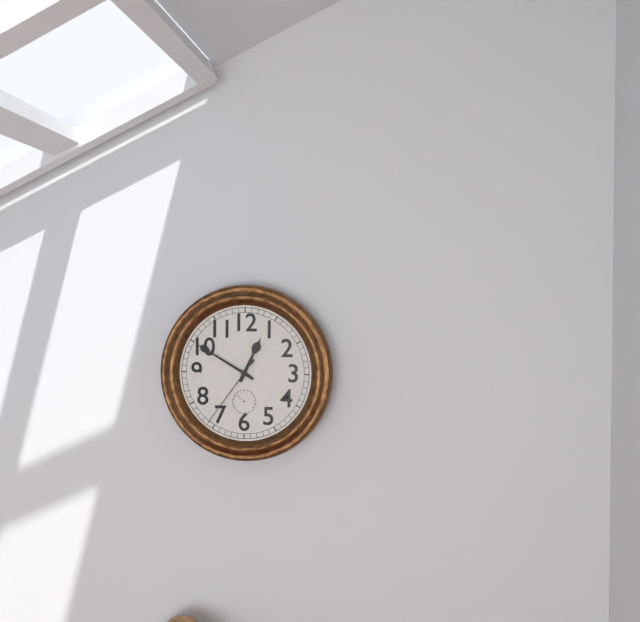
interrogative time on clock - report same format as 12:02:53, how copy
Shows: 12:50:36
